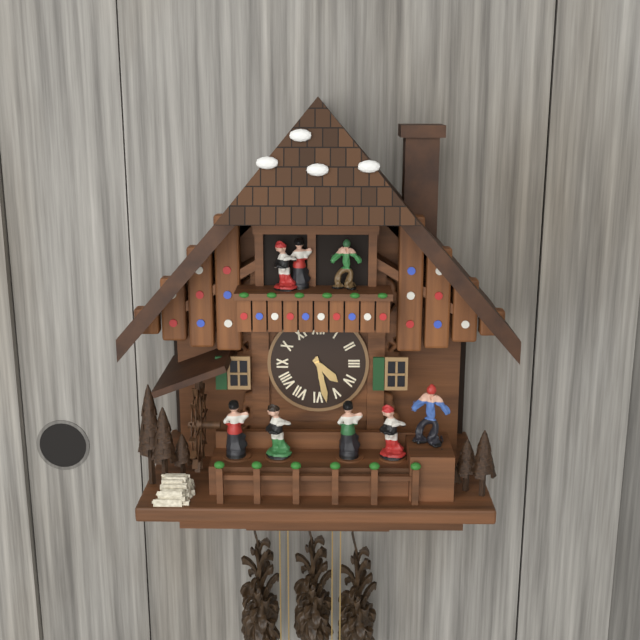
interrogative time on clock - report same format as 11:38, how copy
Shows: 4:28
